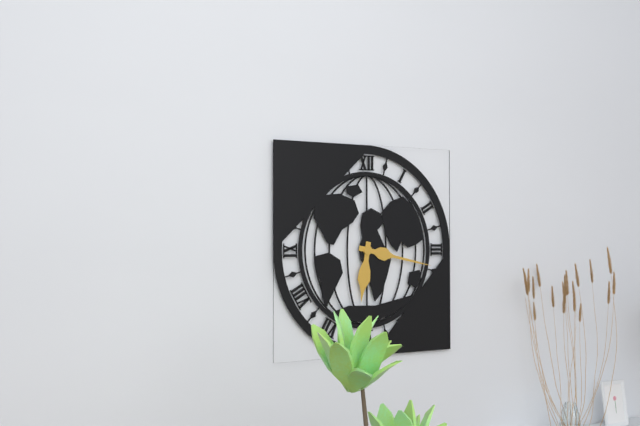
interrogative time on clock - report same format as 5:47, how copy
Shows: 6:17
